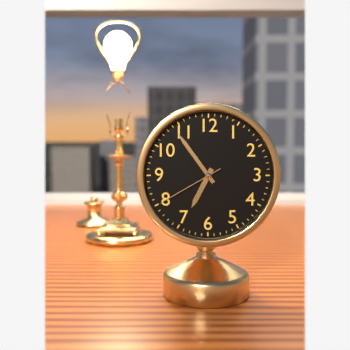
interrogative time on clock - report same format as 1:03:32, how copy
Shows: 6:54:40
